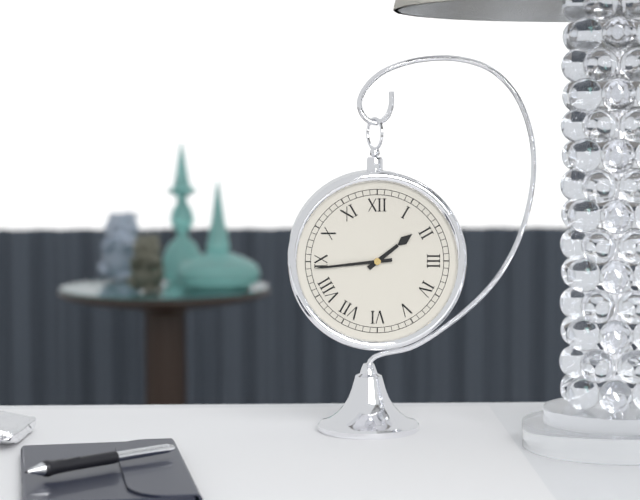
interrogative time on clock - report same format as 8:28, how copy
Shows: 1:44
